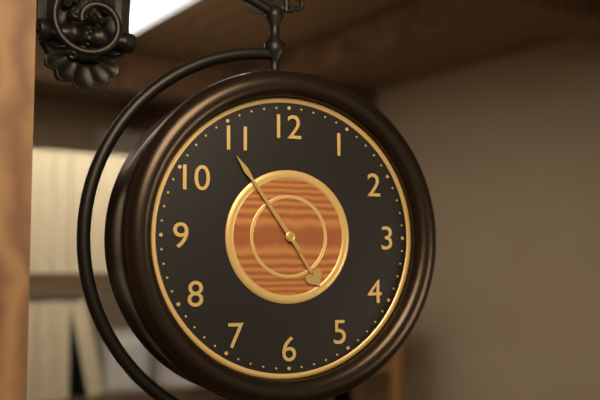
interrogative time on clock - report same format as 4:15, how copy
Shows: 4:54
